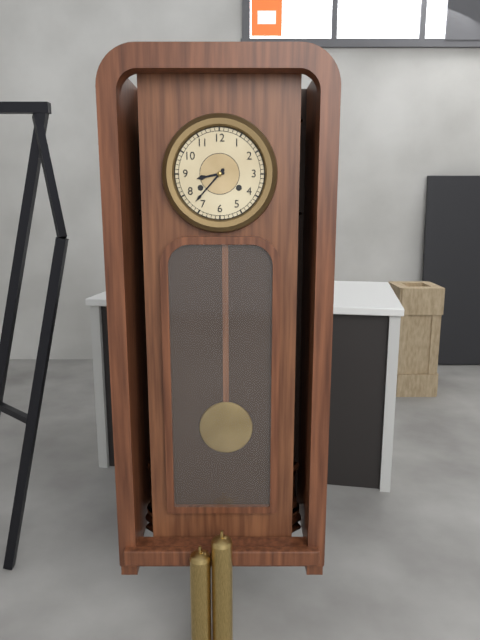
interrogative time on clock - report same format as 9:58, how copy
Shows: 8:37
